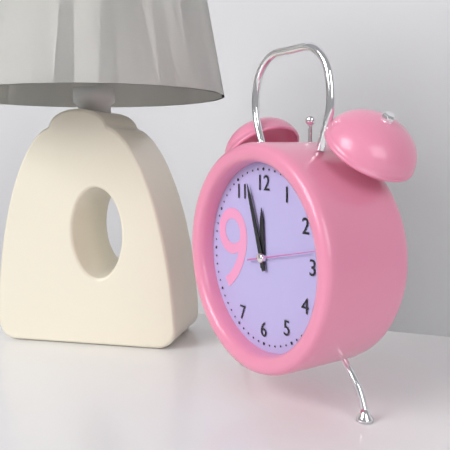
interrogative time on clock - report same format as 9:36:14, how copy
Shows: 11:57:13
